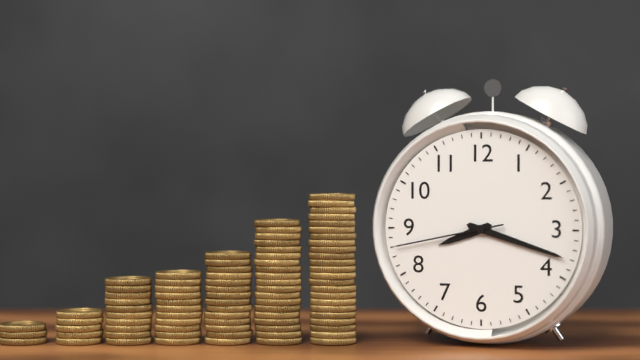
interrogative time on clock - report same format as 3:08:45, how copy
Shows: 8:18:43
